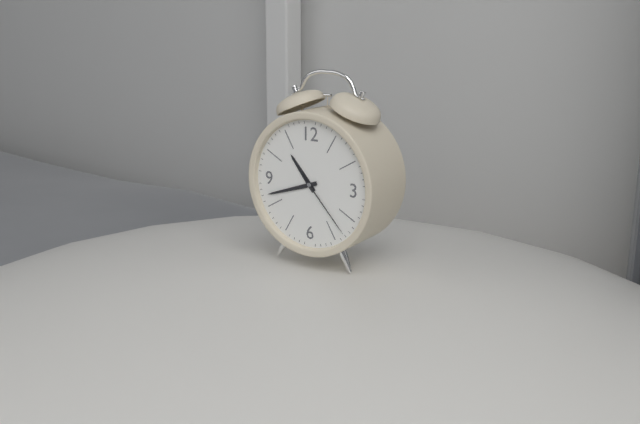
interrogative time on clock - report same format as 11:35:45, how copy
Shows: 10:42:23
